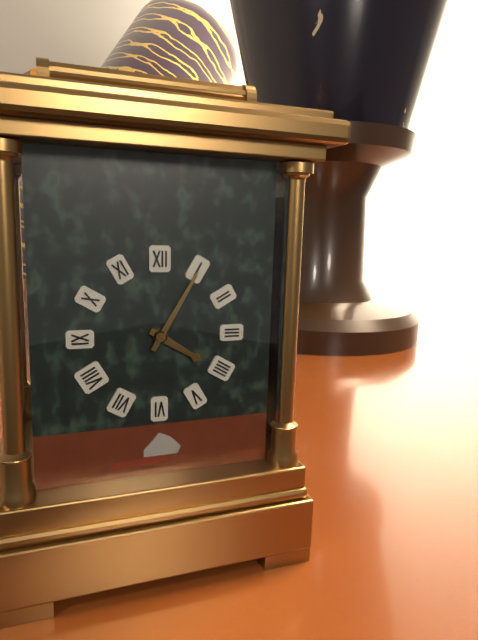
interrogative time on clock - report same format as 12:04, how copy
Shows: 4:05
